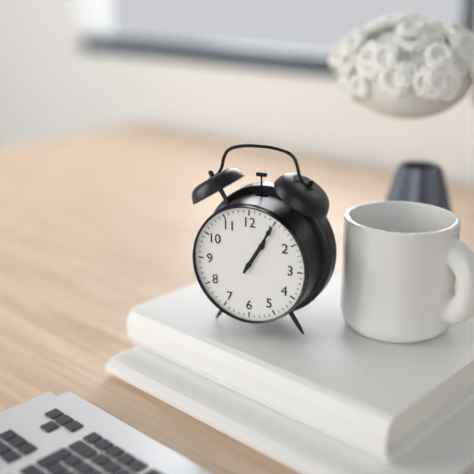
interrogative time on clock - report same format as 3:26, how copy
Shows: 1:05
